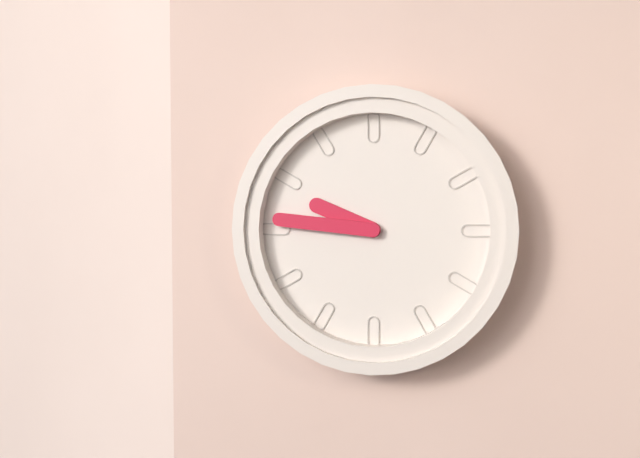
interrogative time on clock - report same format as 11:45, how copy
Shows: 9:46
